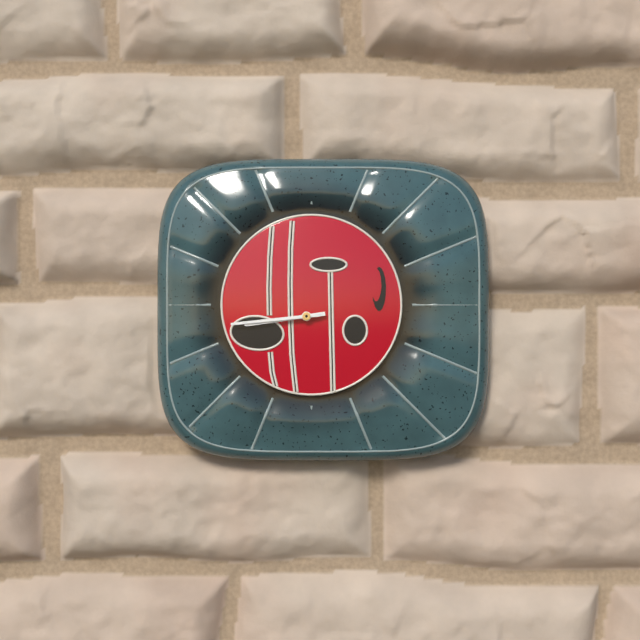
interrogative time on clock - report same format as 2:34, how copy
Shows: 8:44
